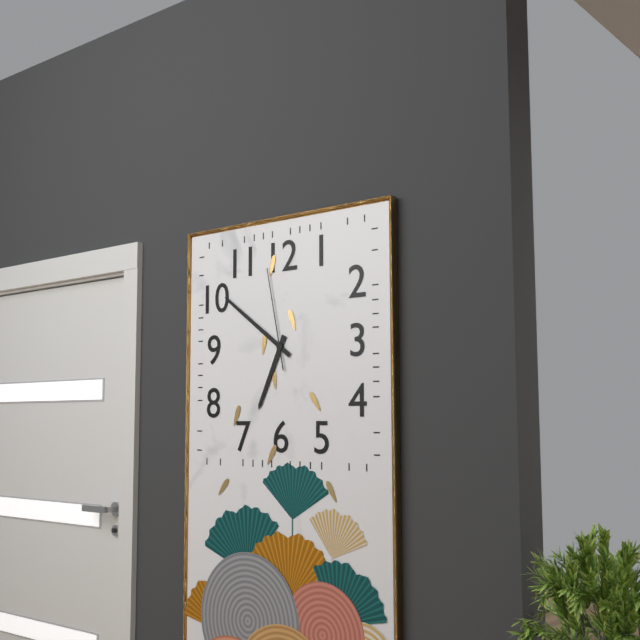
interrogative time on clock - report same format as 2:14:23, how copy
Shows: 6:51:58
